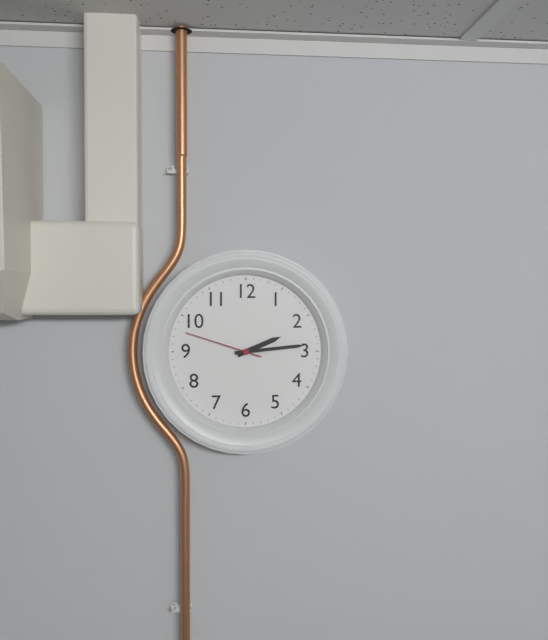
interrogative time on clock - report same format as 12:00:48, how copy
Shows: 2:14:48
